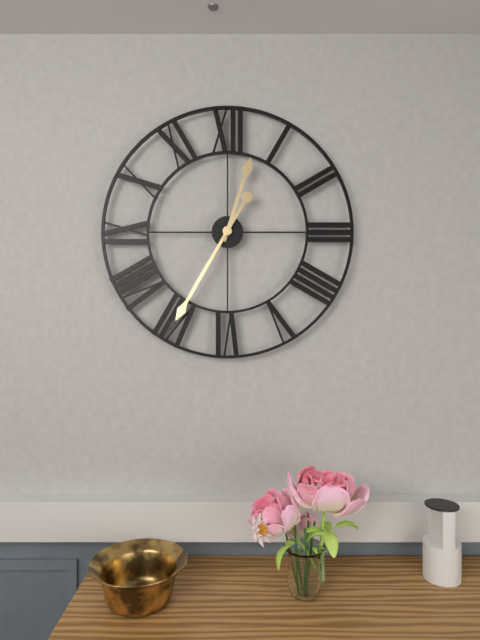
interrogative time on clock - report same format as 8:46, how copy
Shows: 12:35
